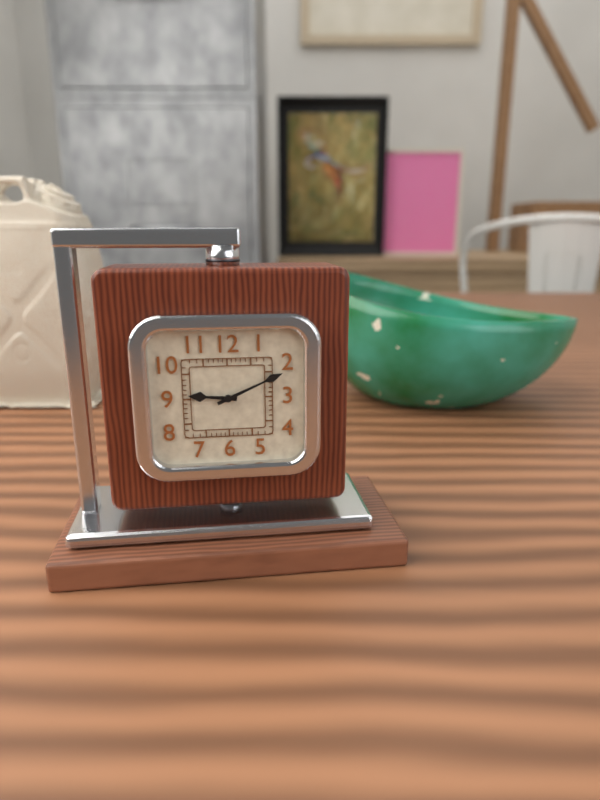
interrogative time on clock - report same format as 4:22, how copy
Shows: 9:11
